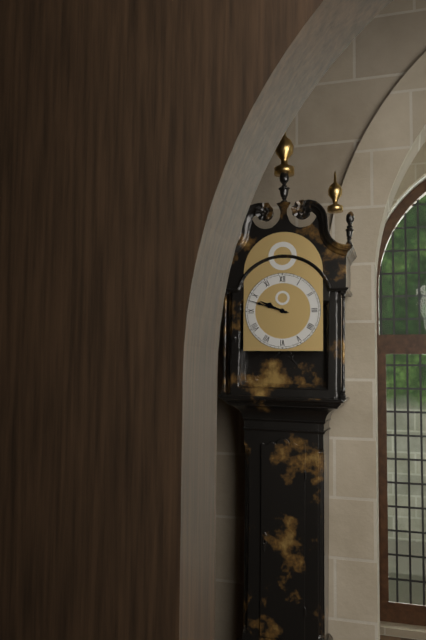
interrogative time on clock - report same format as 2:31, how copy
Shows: 9:48
